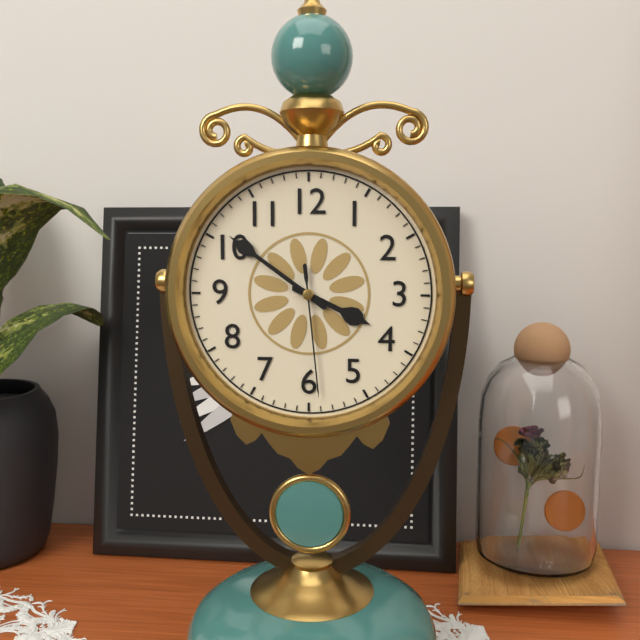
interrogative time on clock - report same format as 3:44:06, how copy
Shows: 3:51:29
